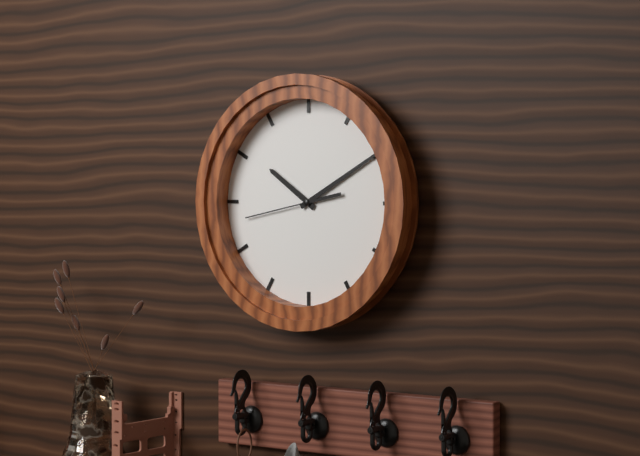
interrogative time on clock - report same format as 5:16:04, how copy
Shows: 10:10:43
